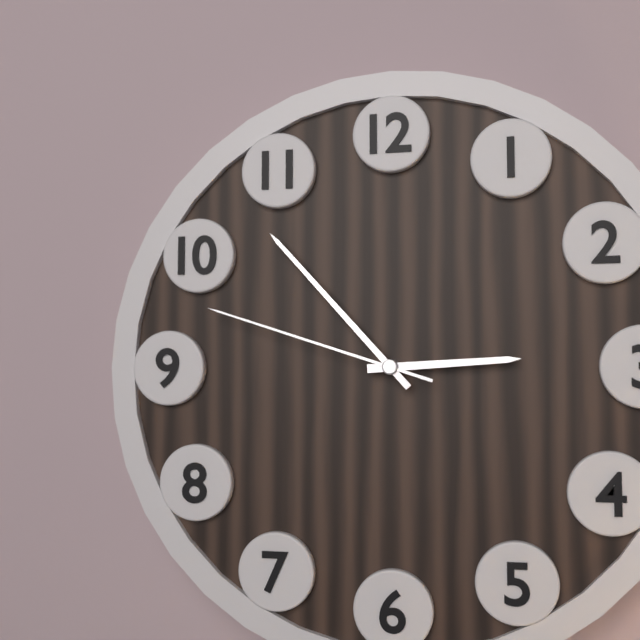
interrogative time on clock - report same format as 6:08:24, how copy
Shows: 2:53:48
